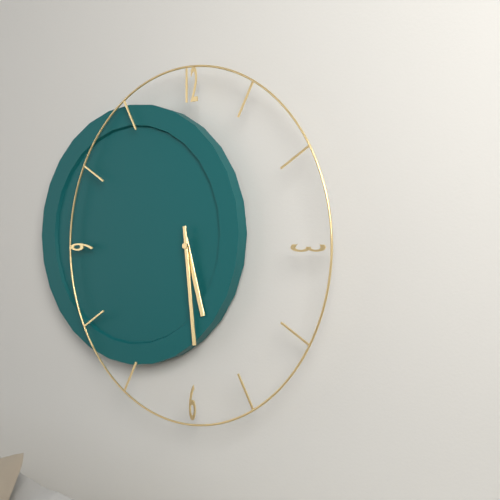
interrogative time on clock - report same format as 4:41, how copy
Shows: 5:29
